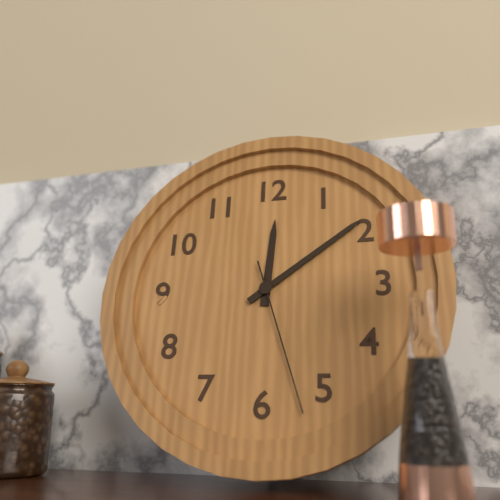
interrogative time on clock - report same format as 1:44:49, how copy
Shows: 12:09:27
